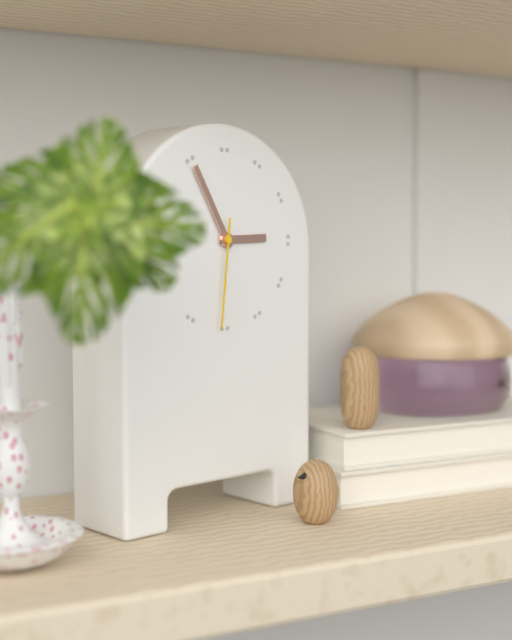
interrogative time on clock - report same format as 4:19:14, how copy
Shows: 2:55:31
